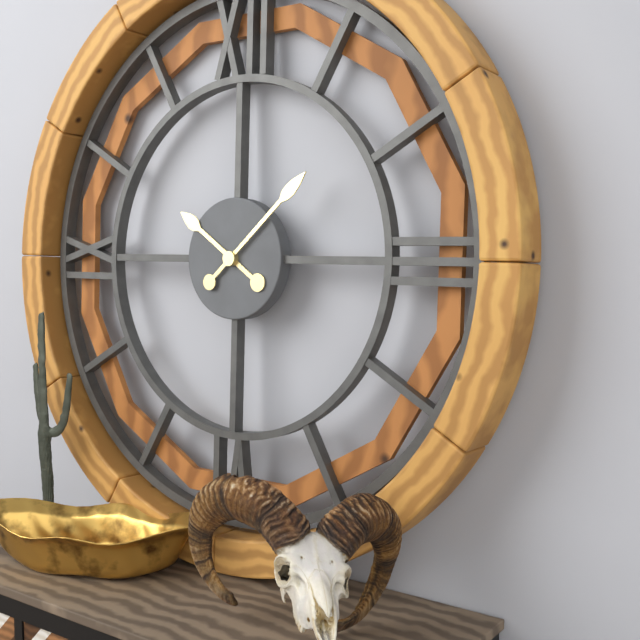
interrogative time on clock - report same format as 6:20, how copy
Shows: 10:08
